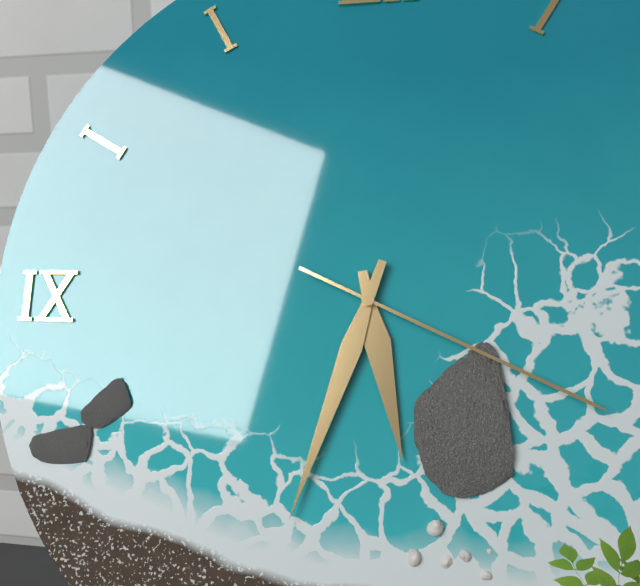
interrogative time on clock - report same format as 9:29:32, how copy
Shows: 5:33:19
